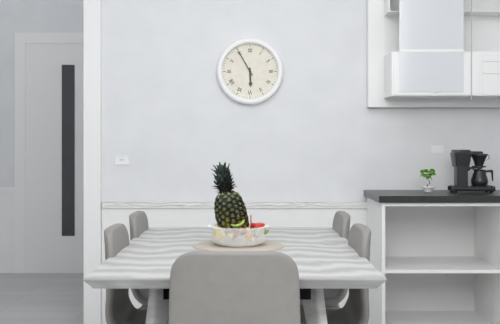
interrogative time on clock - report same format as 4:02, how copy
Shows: 5:55
